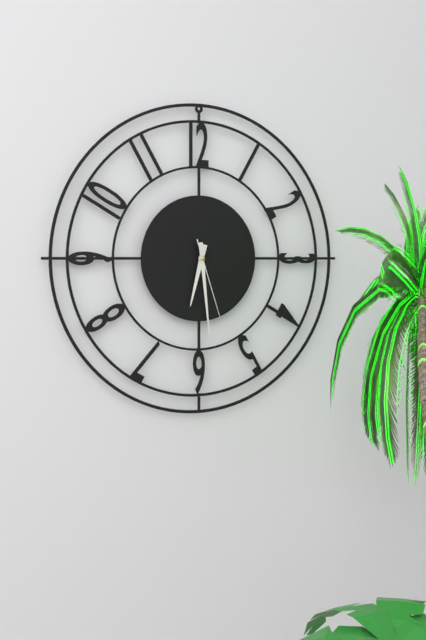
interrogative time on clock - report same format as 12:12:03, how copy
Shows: 6:29:27
